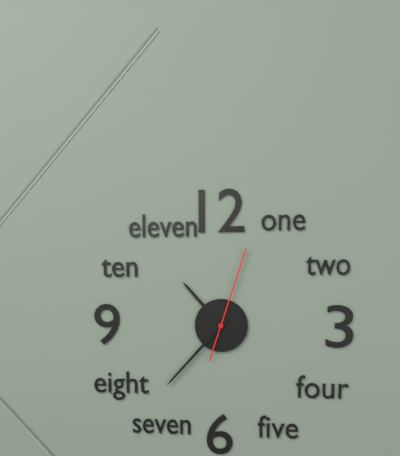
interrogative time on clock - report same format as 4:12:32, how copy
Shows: 10:37:03
